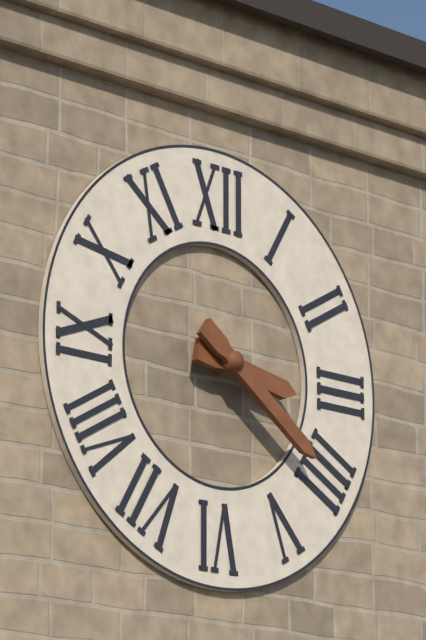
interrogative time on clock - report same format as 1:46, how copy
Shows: 3:21
